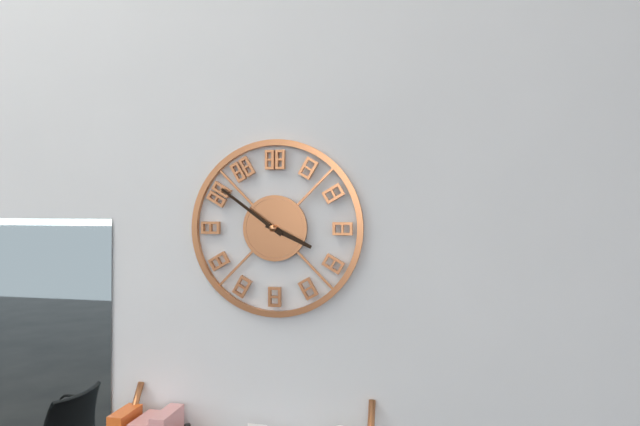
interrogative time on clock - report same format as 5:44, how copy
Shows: 3:51
